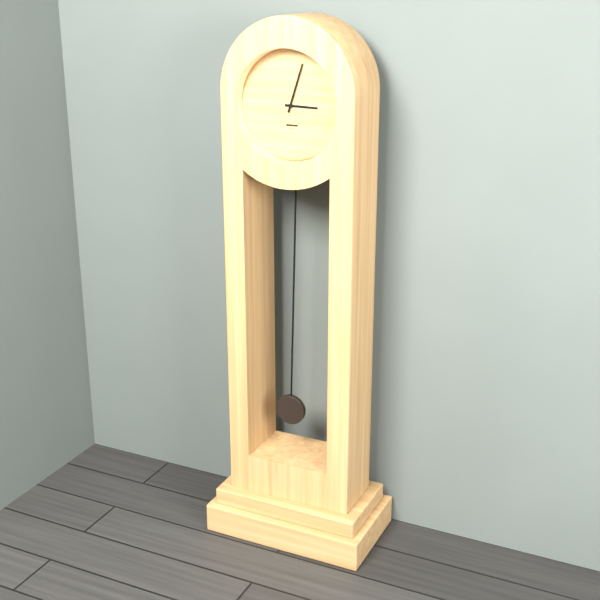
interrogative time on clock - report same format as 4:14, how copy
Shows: 3:03
